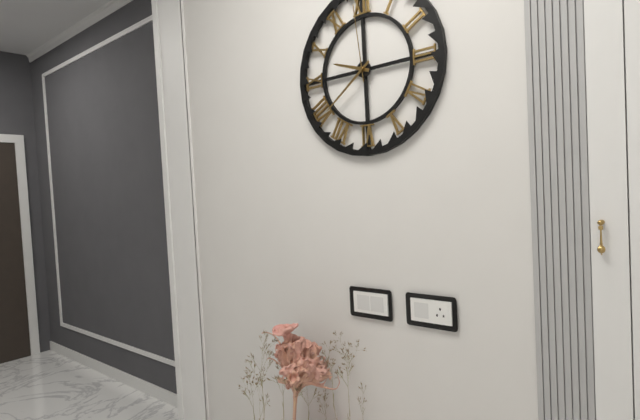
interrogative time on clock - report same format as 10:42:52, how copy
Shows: 9:39:59
